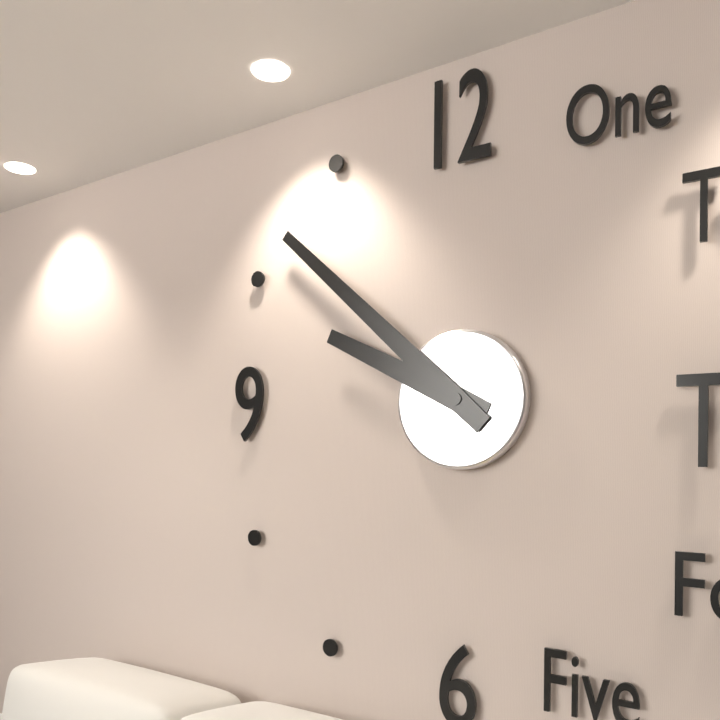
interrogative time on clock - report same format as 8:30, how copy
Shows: 9:52
